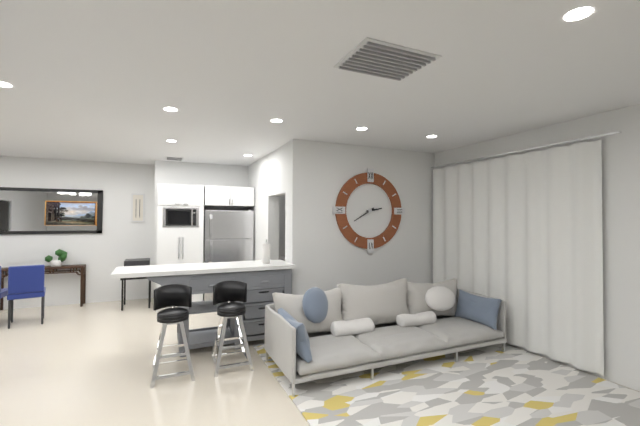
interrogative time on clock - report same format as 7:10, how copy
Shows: 2:40
